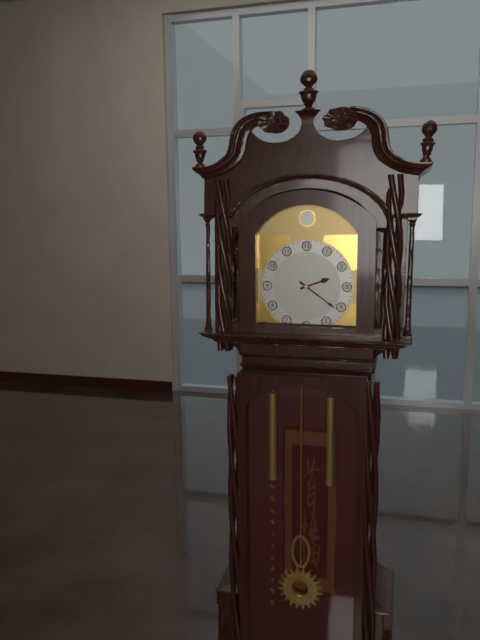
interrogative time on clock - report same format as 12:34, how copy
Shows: 2:21
